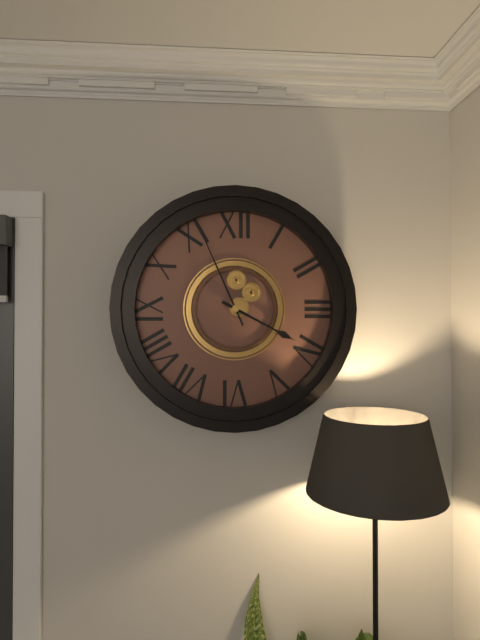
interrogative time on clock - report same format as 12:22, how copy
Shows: 3:56
